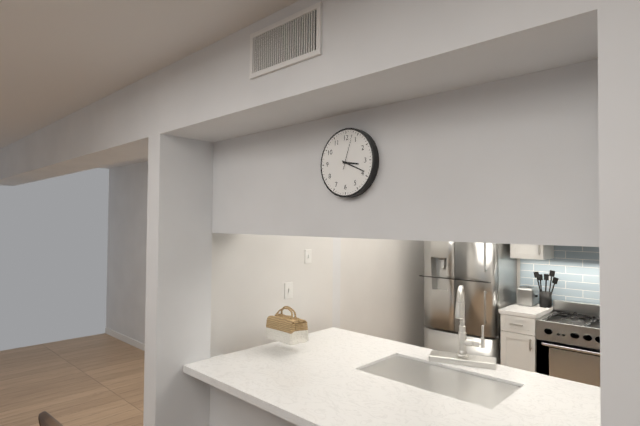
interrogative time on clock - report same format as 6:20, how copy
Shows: 3:19
